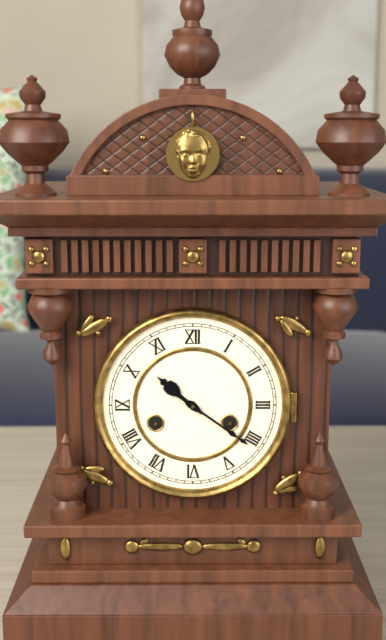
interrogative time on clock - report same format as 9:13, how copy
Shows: 10:21
